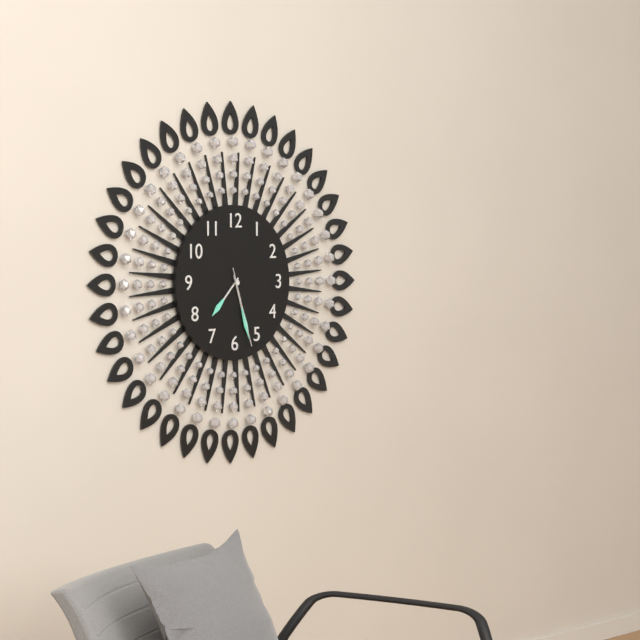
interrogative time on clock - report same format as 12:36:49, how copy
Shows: 7:27:27
